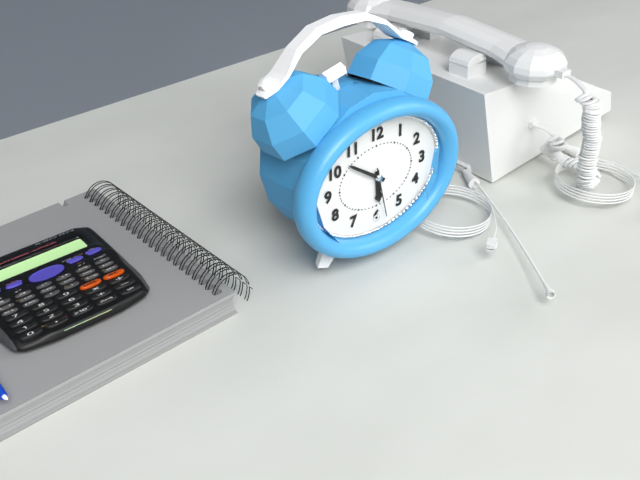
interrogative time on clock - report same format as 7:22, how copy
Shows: 5:51
